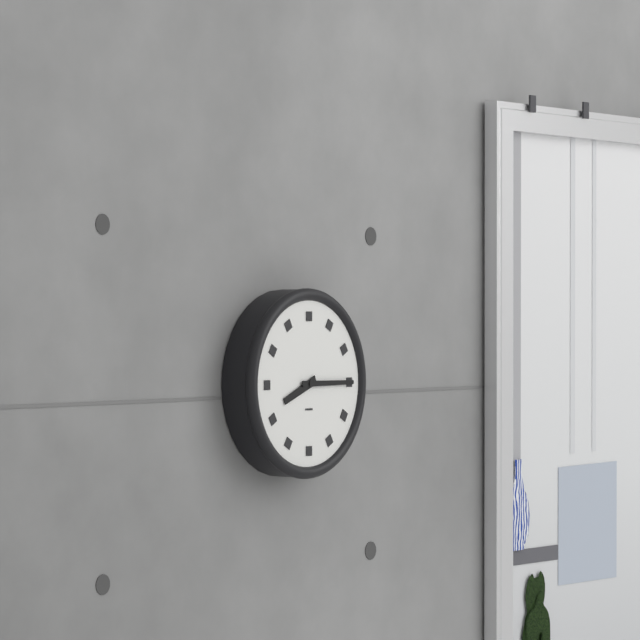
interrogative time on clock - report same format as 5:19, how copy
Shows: 8:15
